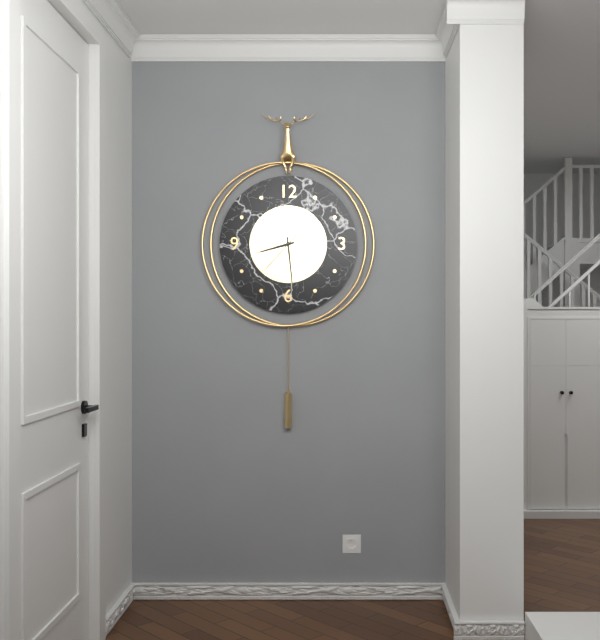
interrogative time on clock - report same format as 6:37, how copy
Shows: 8:29
